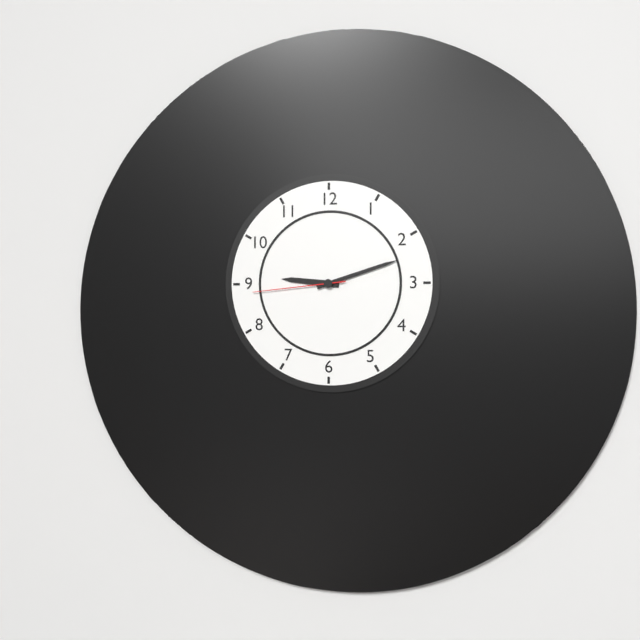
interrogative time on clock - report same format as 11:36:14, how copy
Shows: 9:12:44
